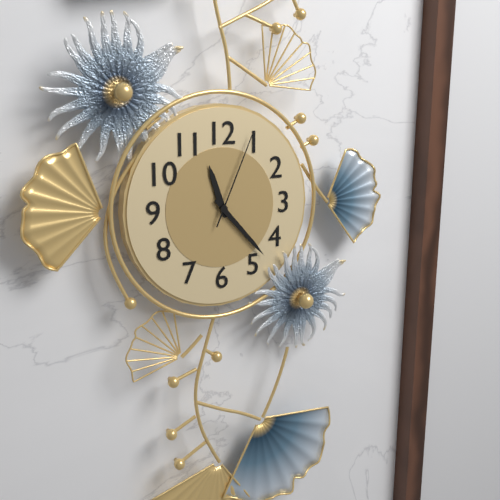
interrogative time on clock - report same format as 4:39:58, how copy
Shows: 11:23:04
